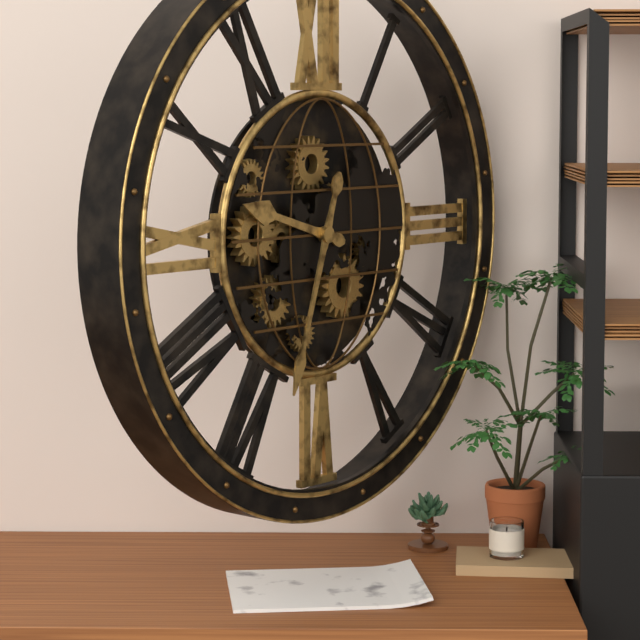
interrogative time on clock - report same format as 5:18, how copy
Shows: 9:33
